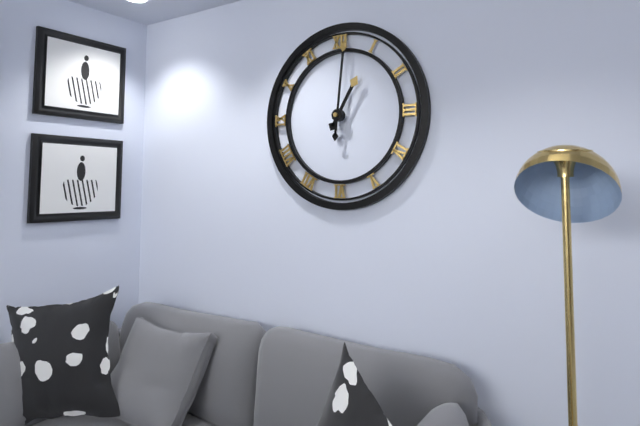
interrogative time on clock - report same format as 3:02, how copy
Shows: 1:01
